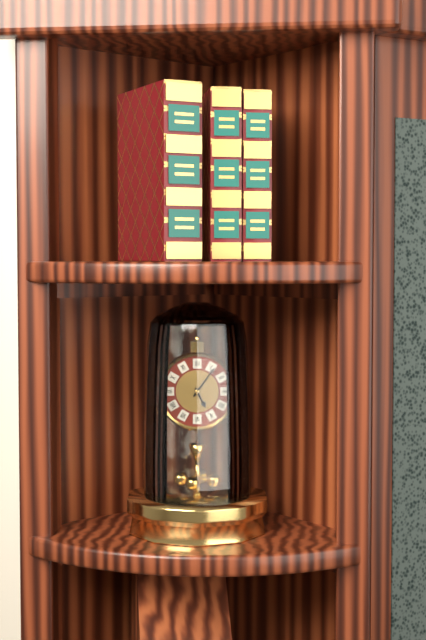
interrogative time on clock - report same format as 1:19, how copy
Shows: 5:06
